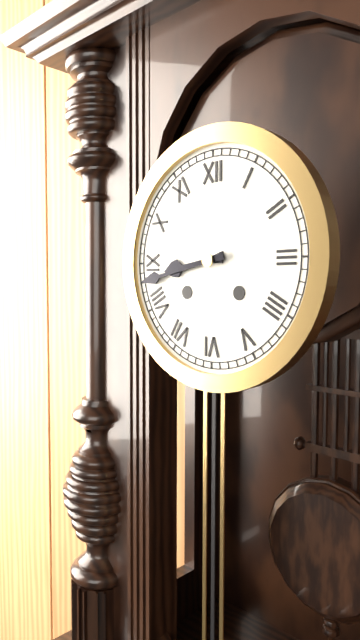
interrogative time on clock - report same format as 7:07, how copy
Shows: 8:43
